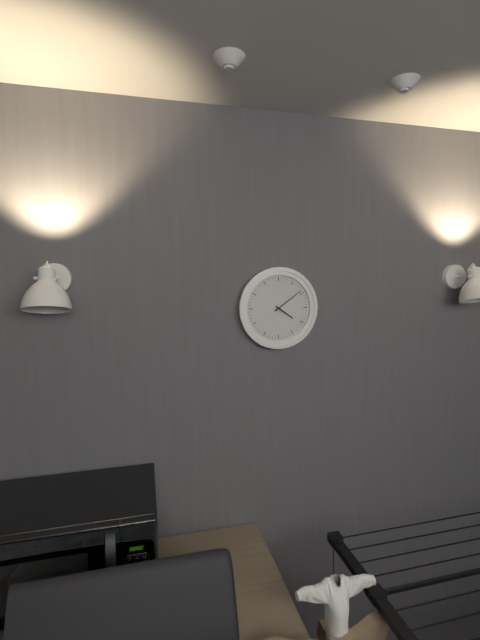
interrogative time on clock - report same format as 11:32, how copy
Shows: 4:09
